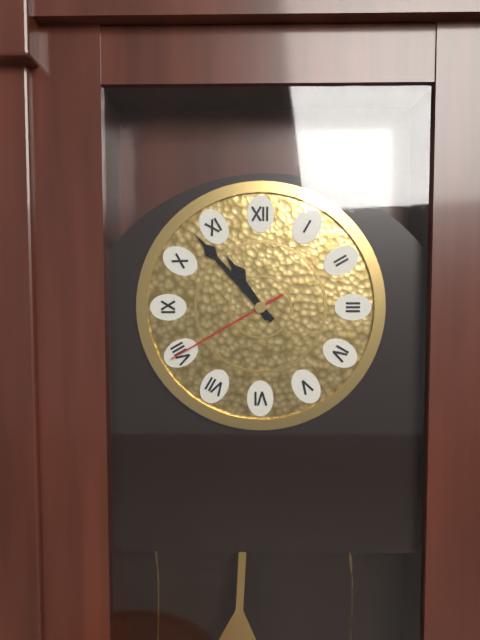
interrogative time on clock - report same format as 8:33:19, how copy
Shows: 10:53:40
